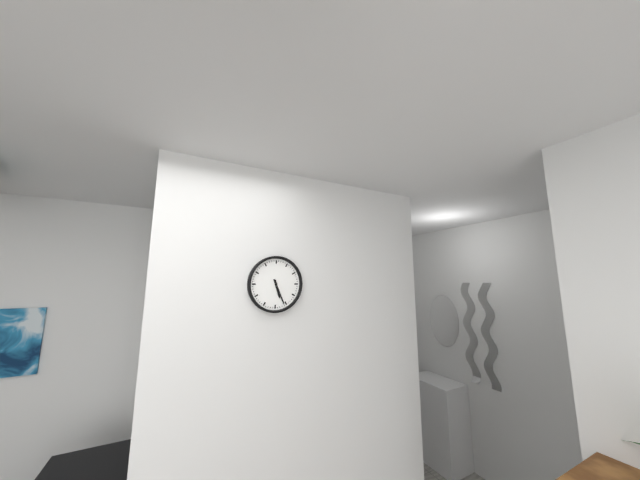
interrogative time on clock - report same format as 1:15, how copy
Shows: 5:26
